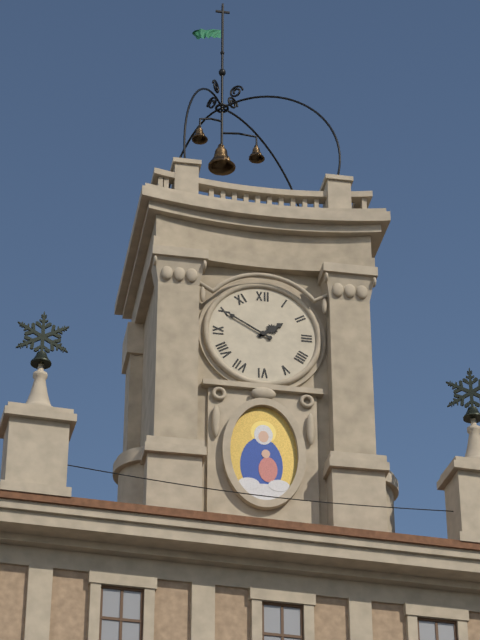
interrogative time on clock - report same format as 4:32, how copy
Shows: 1:50
